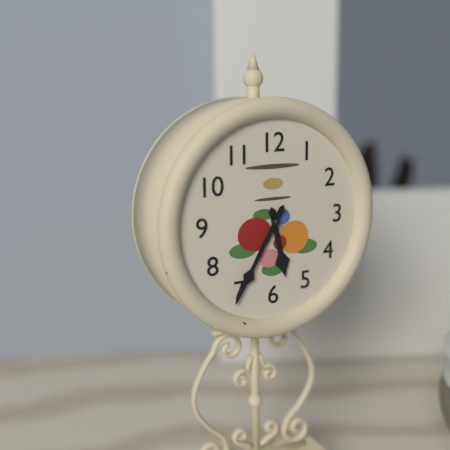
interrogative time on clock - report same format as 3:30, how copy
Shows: 5:35
